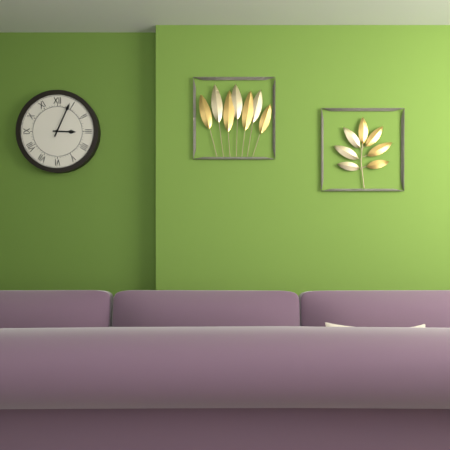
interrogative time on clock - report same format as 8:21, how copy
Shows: 3:04
